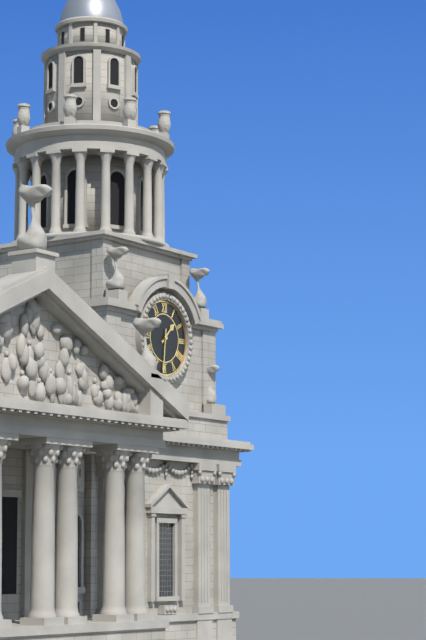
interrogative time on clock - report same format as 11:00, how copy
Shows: 1:31
